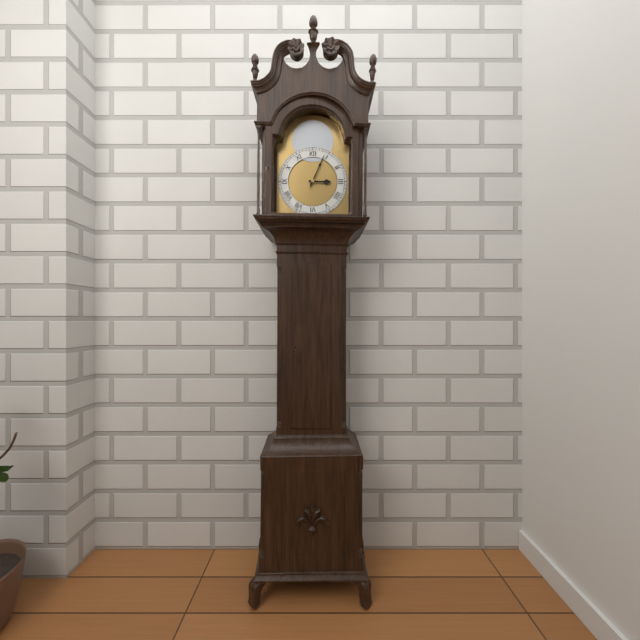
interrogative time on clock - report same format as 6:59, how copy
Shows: 3:04
